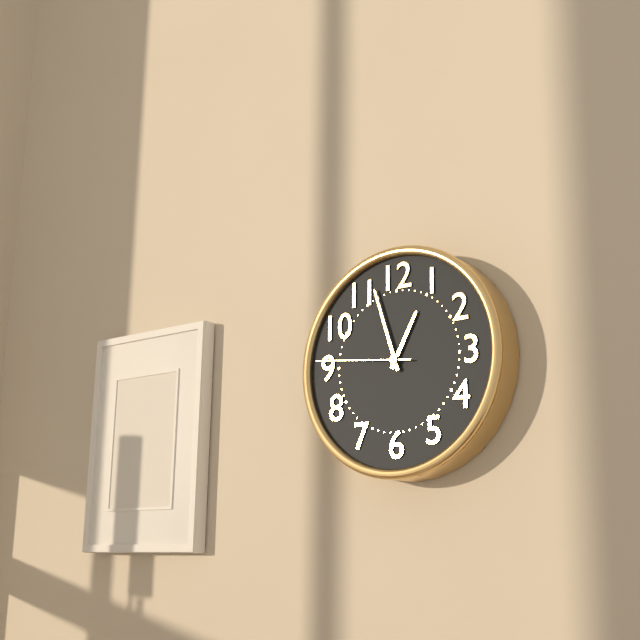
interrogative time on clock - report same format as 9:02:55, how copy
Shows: 12:57:46
